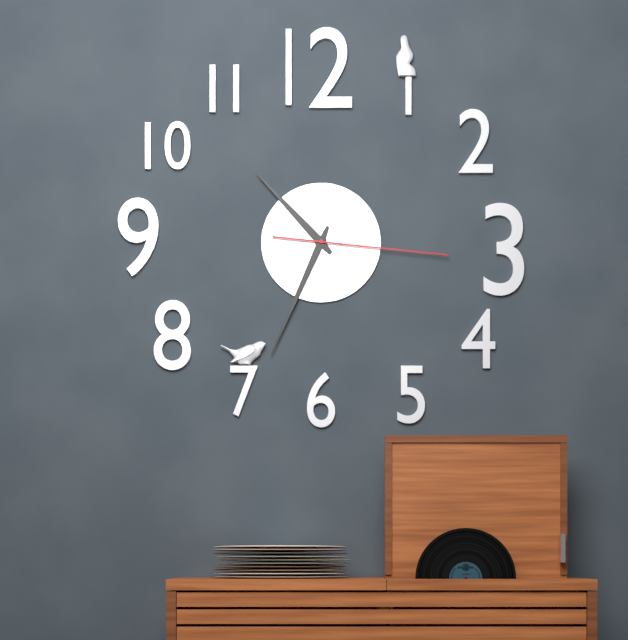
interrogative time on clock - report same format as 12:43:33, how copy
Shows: 10:34:16
